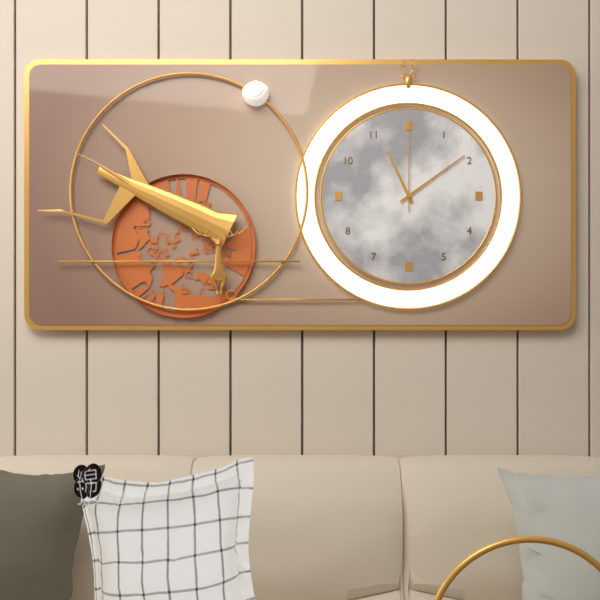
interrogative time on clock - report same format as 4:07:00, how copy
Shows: 11:09:00
